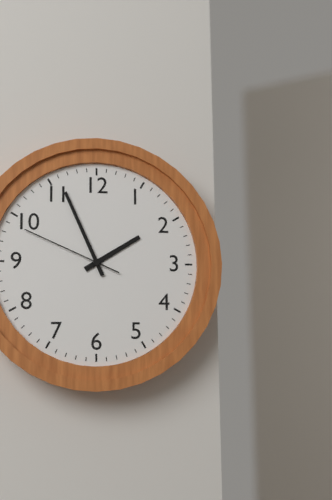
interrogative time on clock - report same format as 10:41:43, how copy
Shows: 1:56:49
